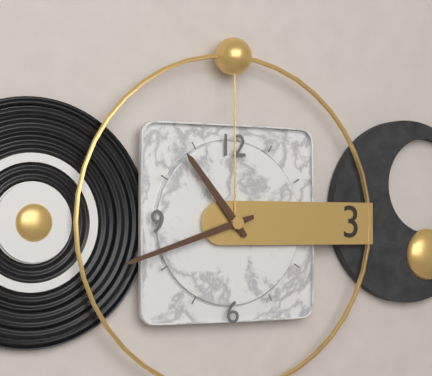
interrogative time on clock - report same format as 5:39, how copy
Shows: 10:42
